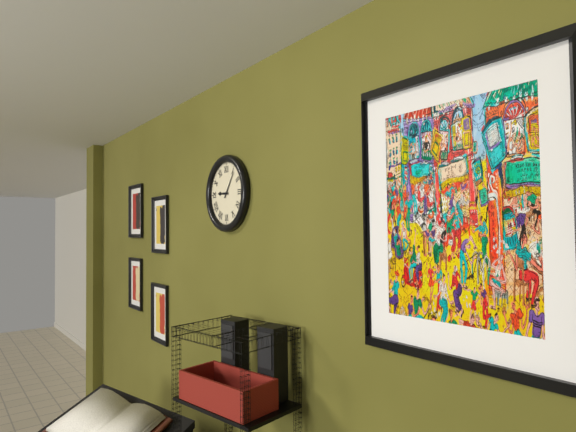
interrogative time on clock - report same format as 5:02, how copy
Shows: 9:06
